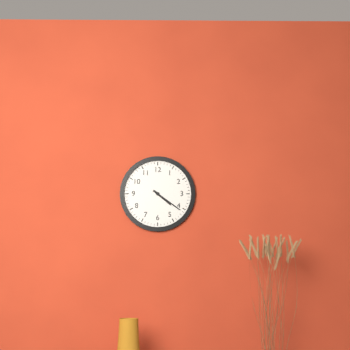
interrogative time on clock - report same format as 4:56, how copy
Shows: 4:21
